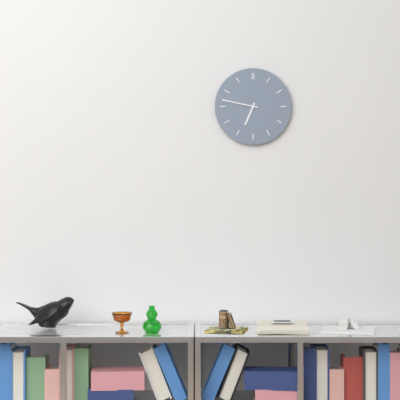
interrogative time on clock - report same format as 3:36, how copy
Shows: 6:47
